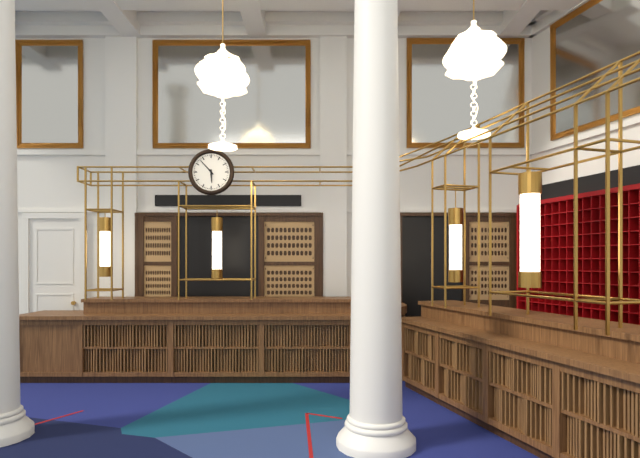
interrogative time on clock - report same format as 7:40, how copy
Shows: 5:53
